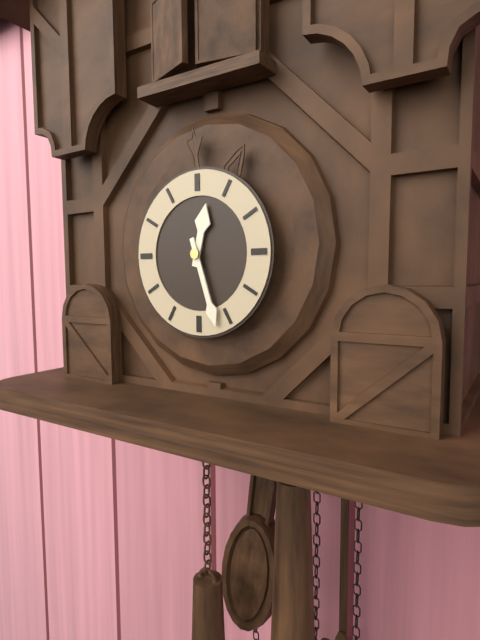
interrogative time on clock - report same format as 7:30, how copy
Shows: 12:27
